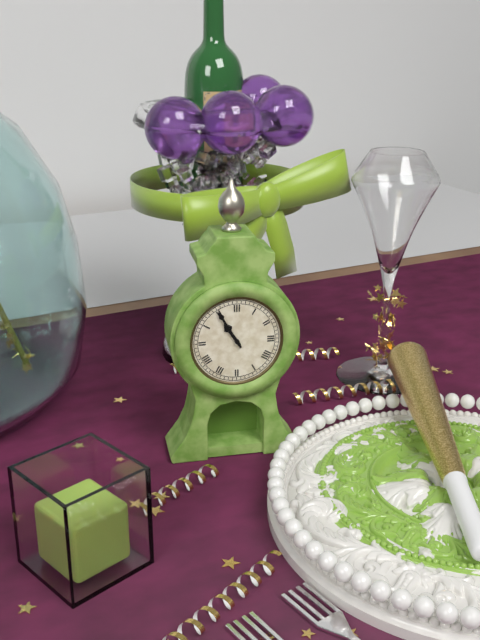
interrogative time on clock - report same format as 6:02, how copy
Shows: 10:55
